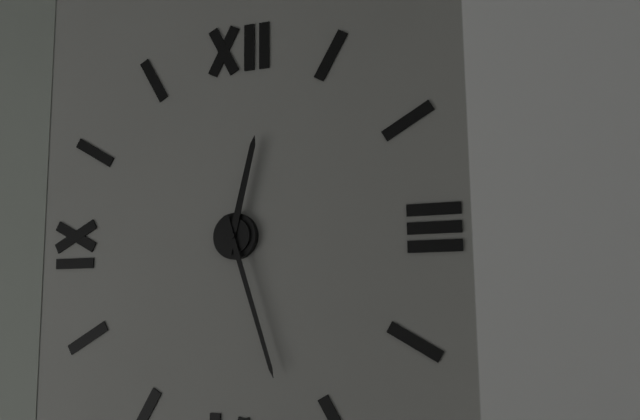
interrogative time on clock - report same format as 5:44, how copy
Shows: 12:27
